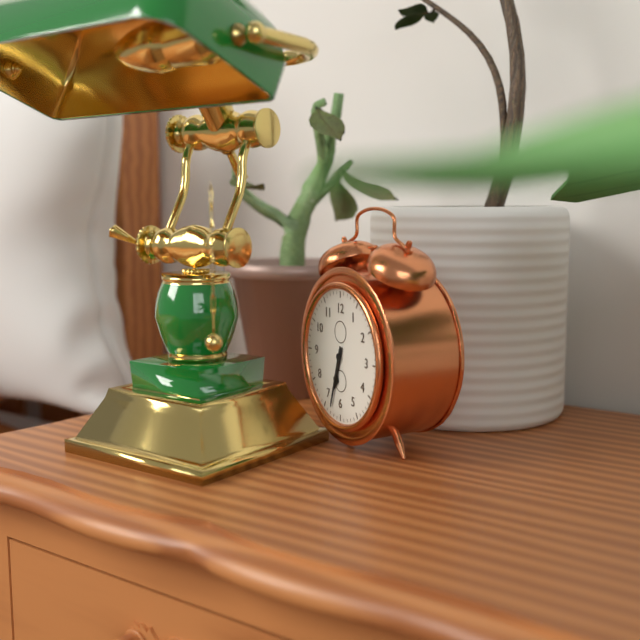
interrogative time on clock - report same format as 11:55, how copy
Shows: 6:33
